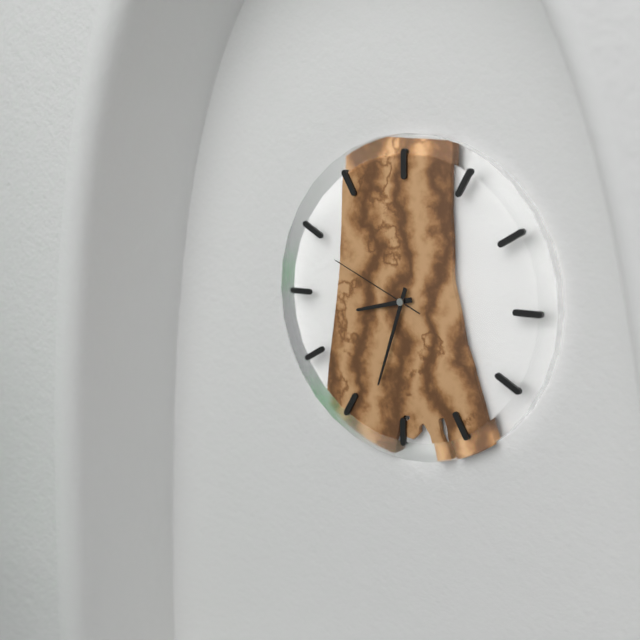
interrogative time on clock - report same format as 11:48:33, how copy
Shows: 8:33:49
